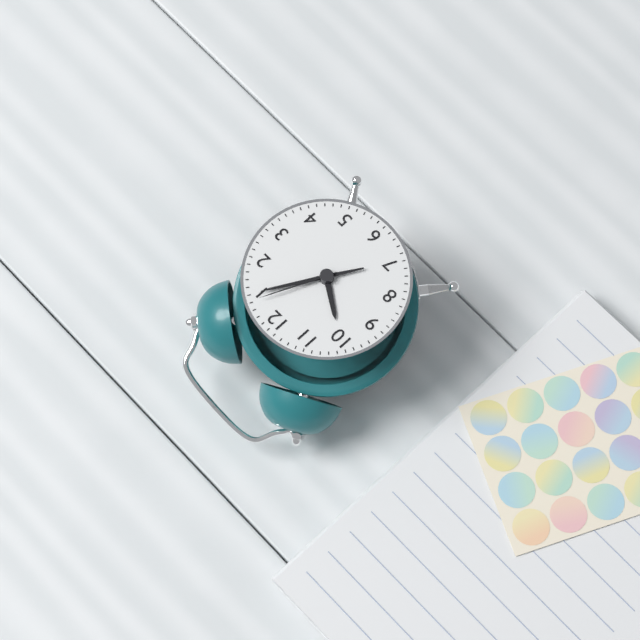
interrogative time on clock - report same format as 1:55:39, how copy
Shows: 10:05:04
